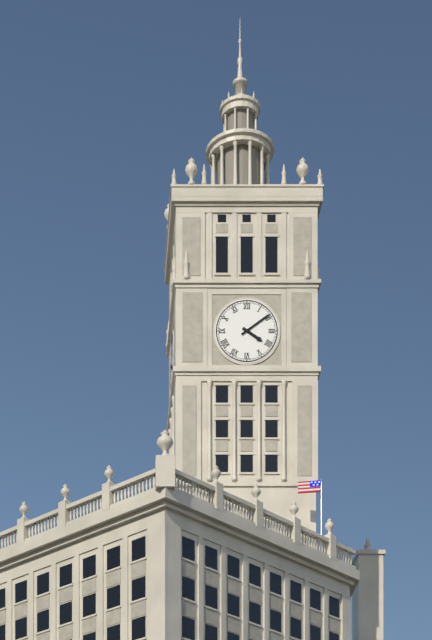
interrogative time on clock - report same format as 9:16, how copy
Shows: 4:09
